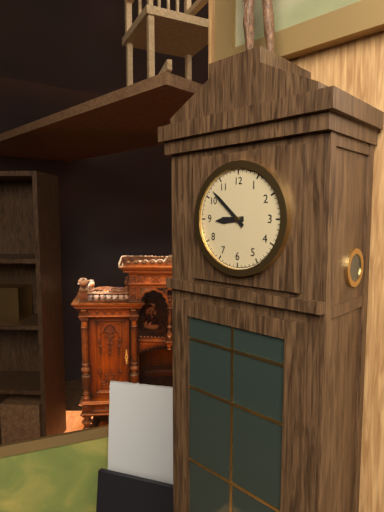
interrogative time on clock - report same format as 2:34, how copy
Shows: 8:52
